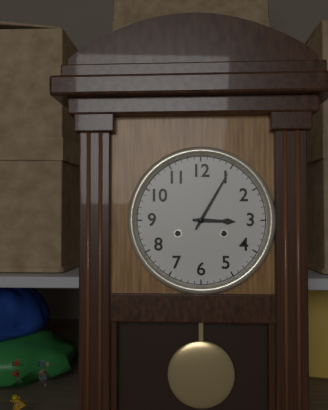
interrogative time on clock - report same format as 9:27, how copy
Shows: 3:05
